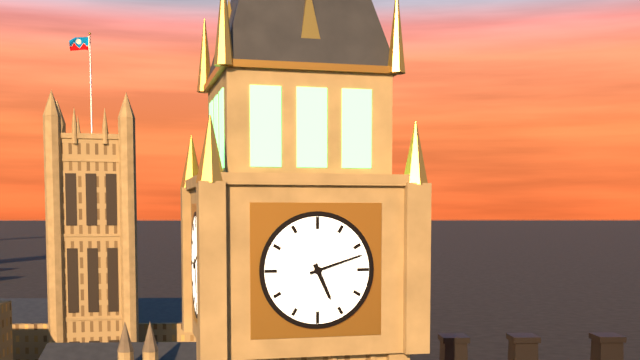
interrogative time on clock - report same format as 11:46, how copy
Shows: 5:12
